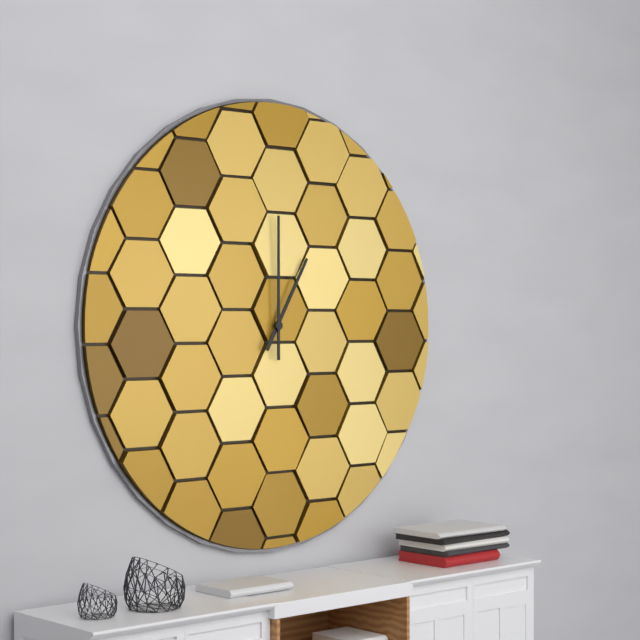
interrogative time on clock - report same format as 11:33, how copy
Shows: 1:00
